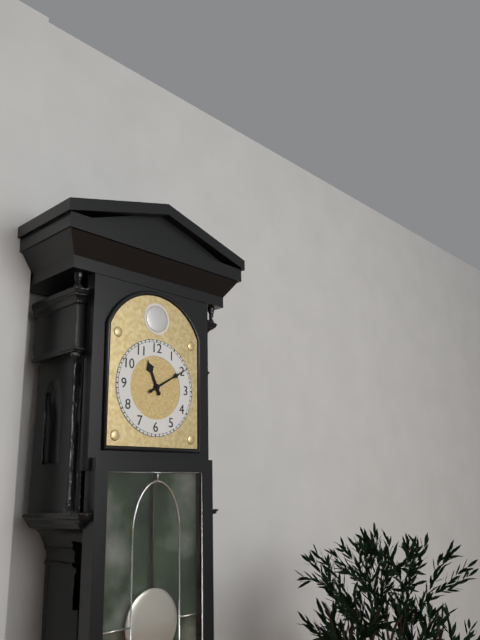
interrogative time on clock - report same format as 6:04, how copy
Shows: 11:10
